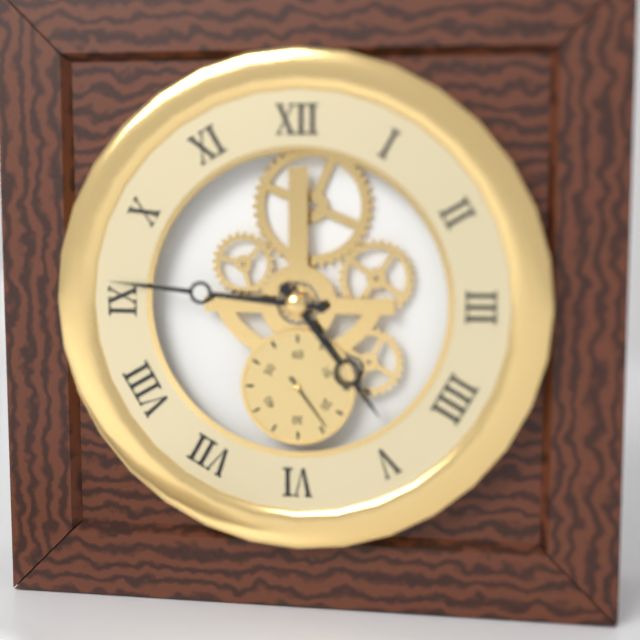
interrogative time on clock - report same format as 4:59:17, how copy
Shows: 4:46:24
